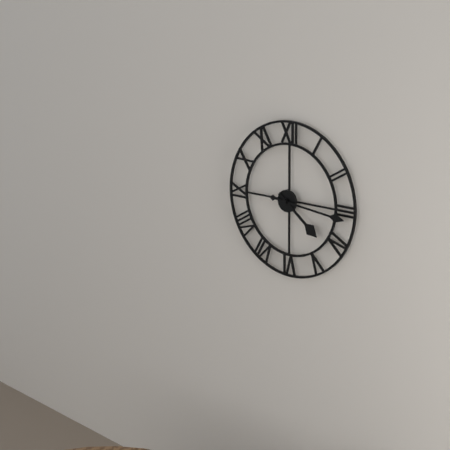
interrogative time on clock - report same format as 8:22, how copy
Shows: 4:16
